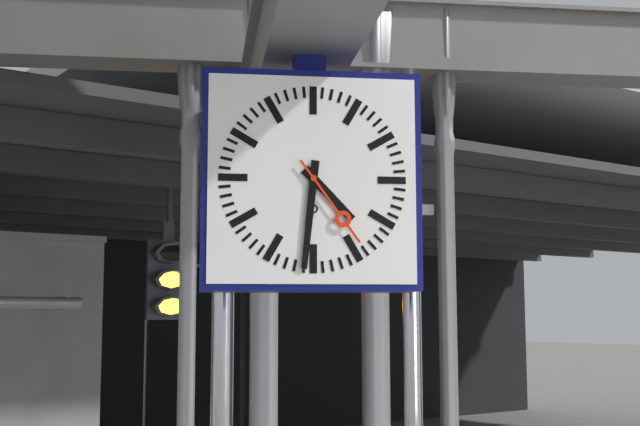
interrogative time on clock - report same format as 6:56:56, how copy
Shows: 4:31:24
